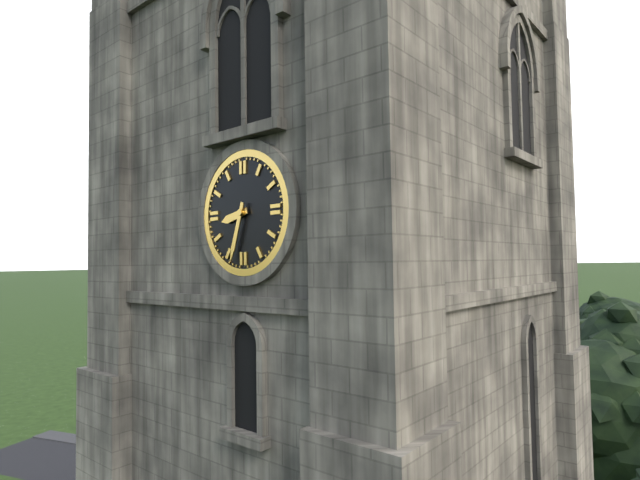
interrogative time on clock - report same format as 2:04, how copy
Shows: 8:33
